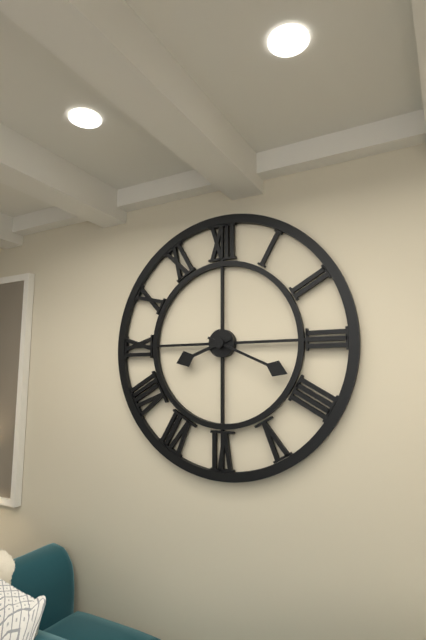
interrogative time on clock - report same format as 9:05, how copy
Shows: 8:19
